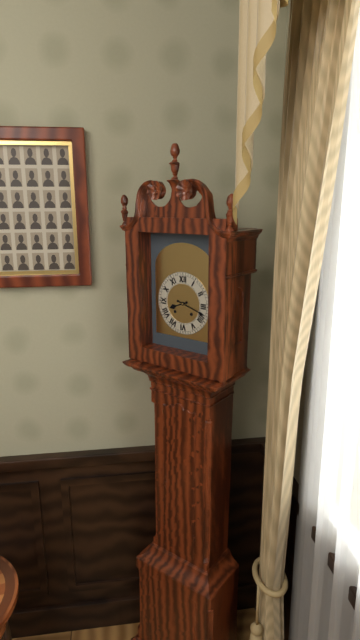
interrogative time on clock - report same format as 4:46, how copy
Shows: 8:18
